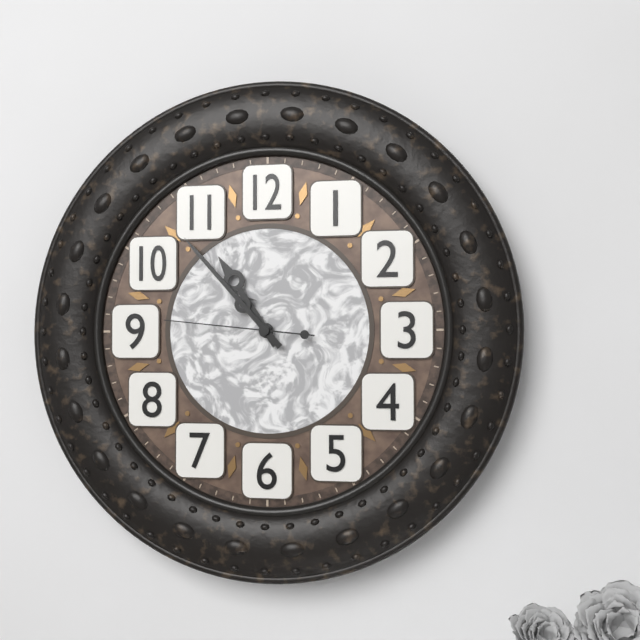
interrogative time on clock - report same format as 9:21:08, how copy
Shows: 10:53:46
